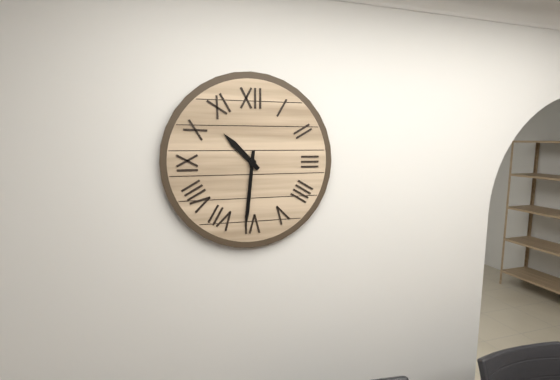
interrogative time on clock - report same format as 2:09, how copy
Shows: 10:31
